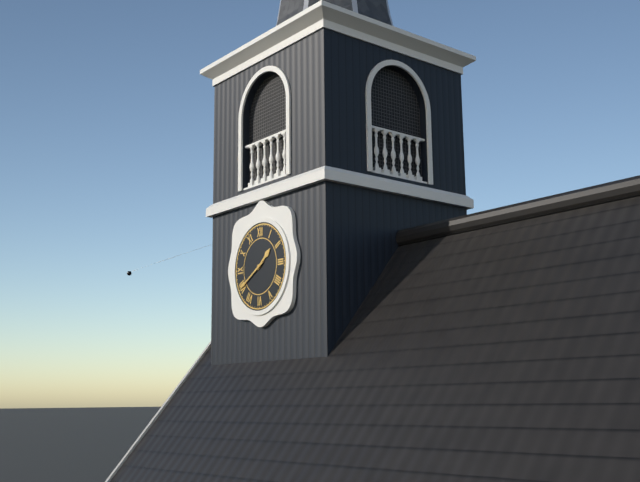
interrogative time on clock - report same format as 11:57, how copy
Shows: 1:40
